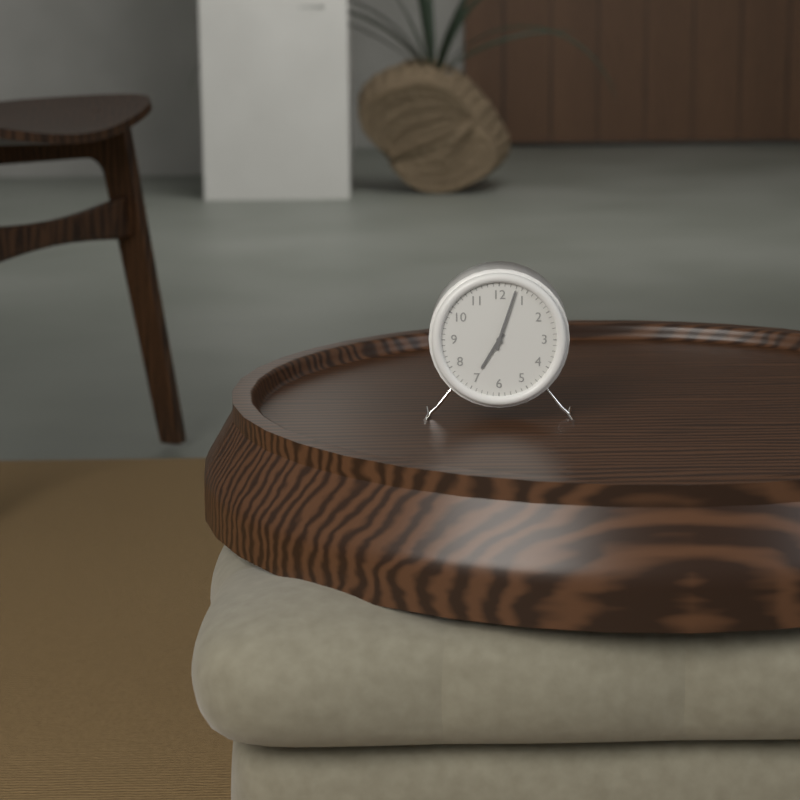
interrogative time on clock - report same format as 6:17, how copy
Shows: 7:03
